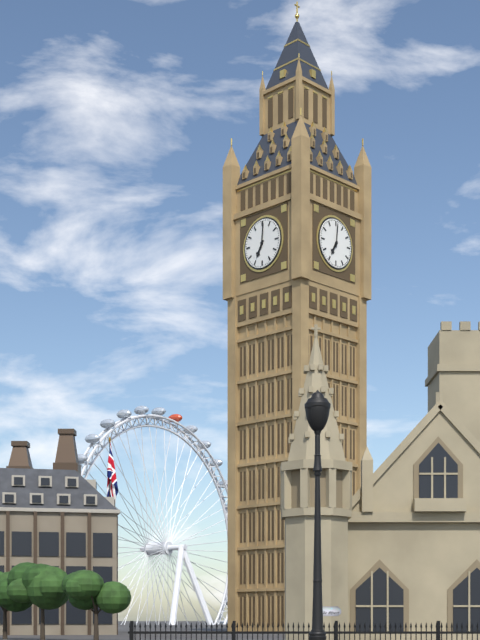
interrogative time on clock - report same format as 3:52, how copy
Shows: 7:01
